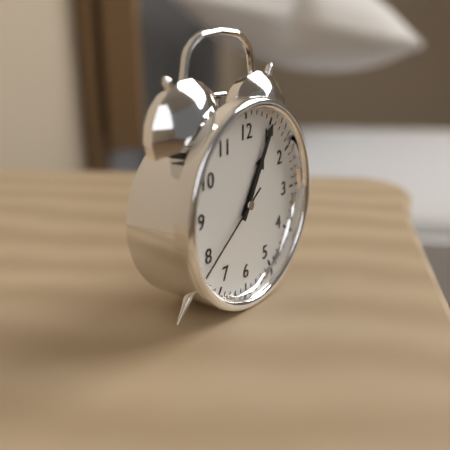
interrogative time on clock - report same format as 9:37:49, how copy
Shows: 1:05:39
